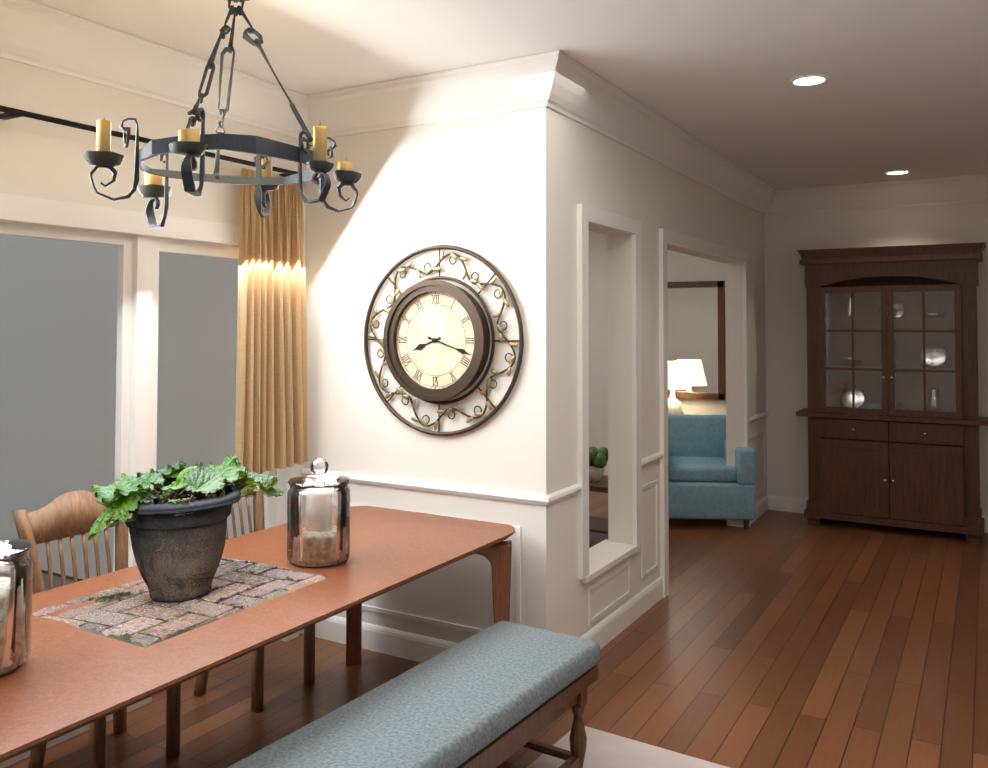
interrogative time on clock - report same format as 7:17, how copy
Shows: 8:18
